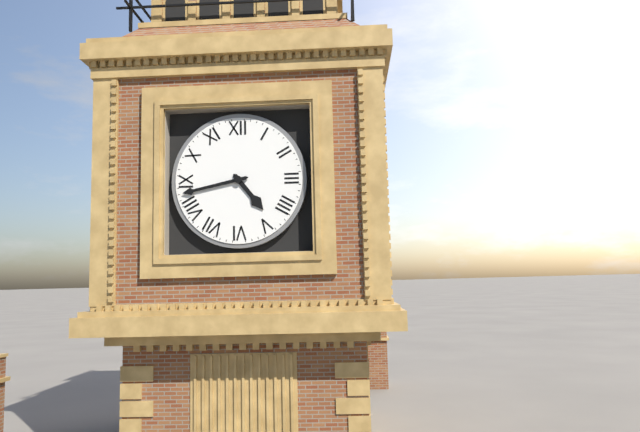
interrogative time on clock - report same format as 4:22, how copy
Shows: 4:43
